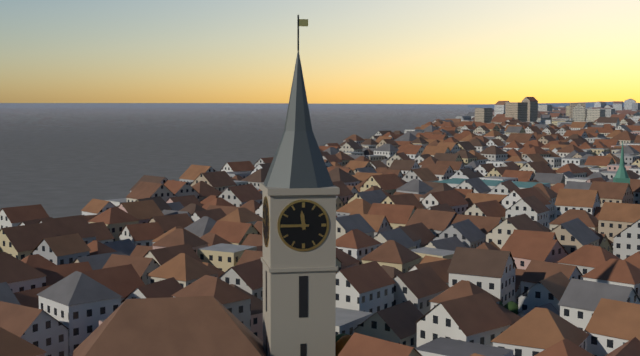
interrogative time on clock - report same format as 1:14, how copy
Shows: 11:45
